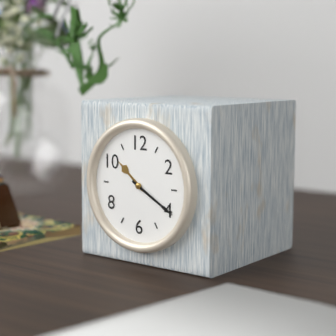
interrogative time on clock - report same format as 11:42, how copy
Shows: 10:20
